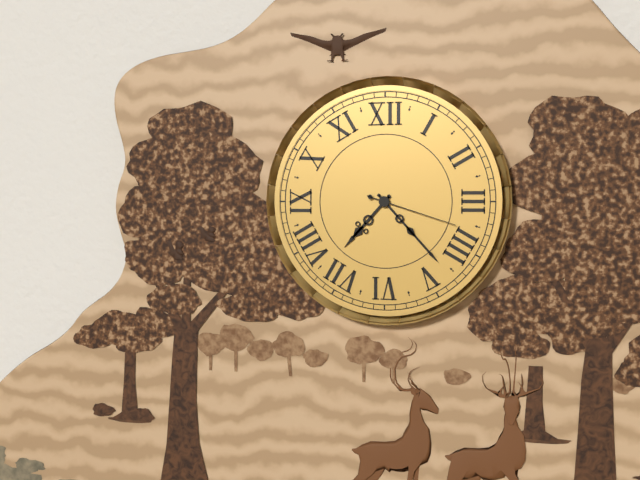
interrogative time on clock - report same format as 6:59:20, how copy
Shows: 7:23:18
